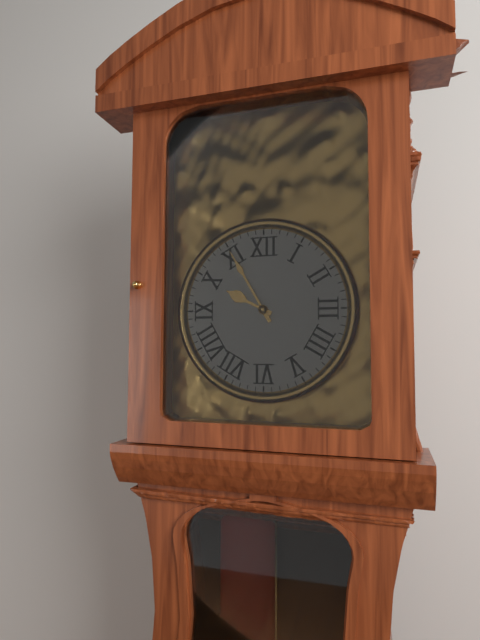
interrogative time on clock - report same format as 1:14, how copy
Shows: 9:55
